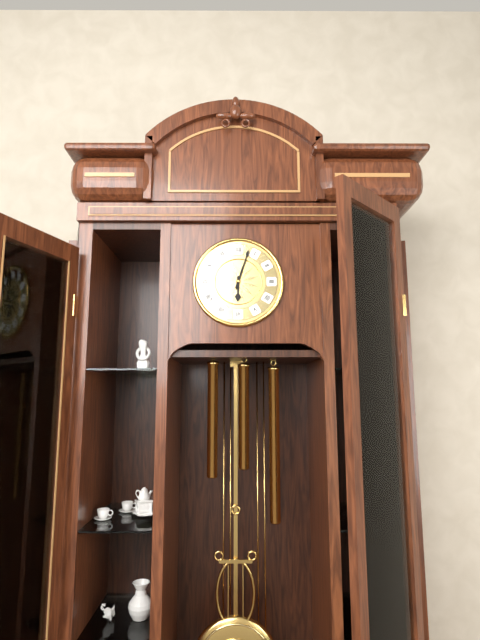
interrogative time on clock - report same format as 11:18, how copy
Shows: 6:03
